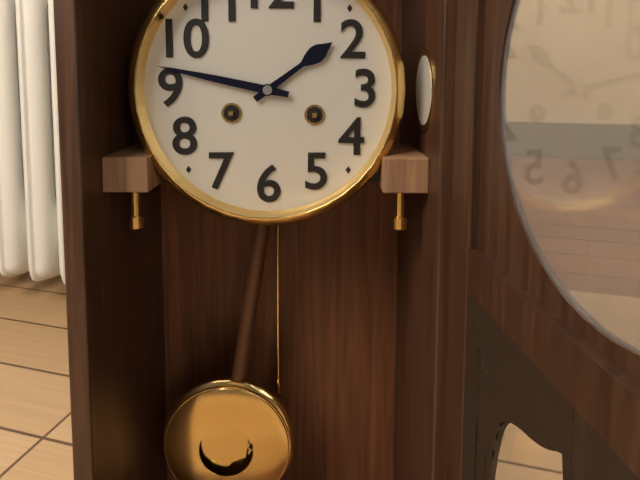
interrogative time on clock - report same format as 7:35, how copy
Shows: 1:47
